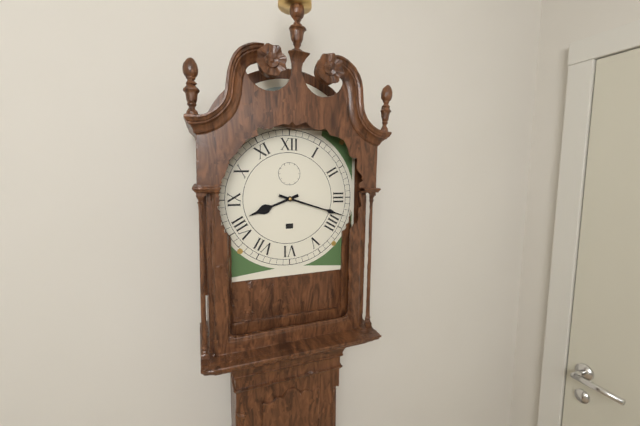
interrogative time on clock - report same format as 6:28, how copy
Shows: 8:18
